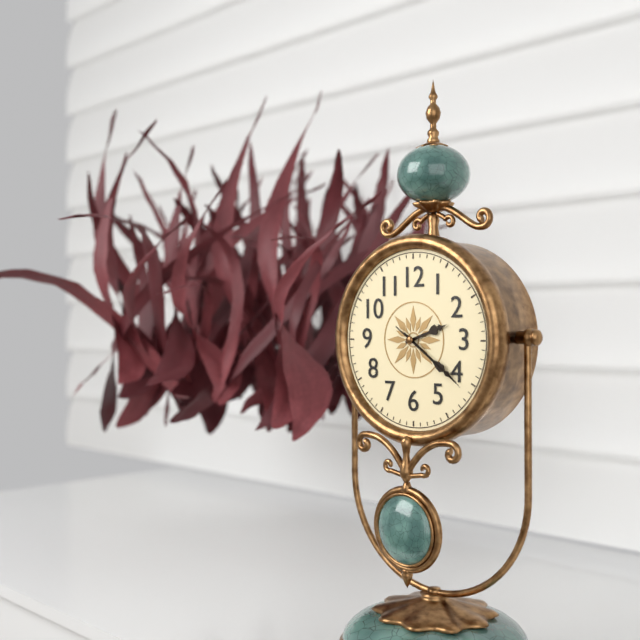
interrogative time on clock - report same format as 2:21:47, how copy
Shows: 2:21:21
